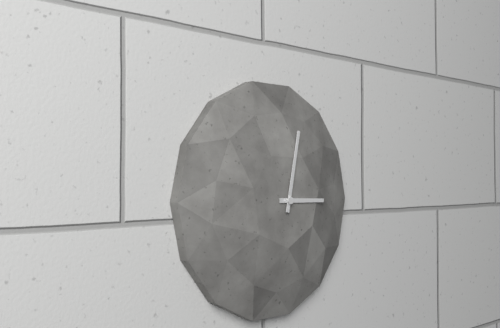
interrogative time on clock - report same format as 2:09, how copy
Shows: 3:02
